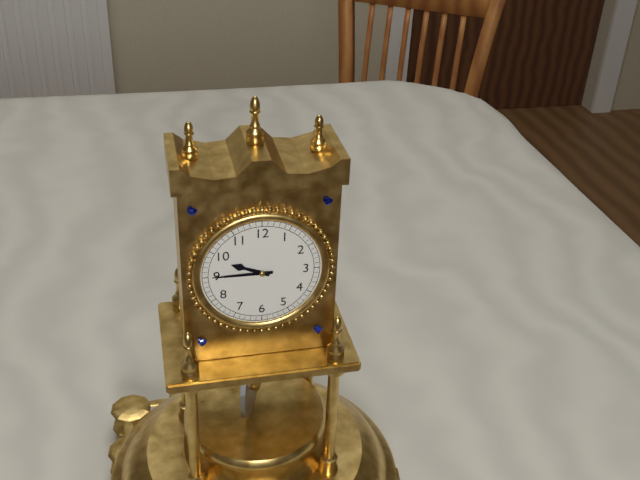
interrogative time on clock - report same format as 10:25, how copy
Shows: 9:45
